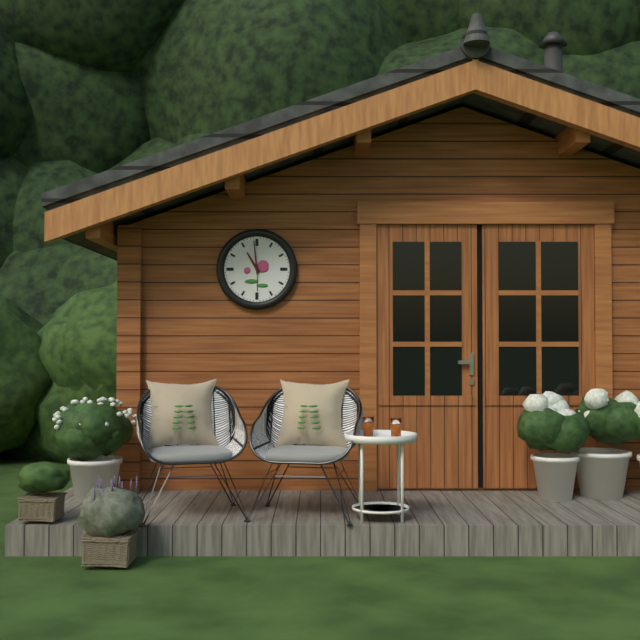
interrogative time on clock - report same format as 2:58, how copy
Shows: 10:59
